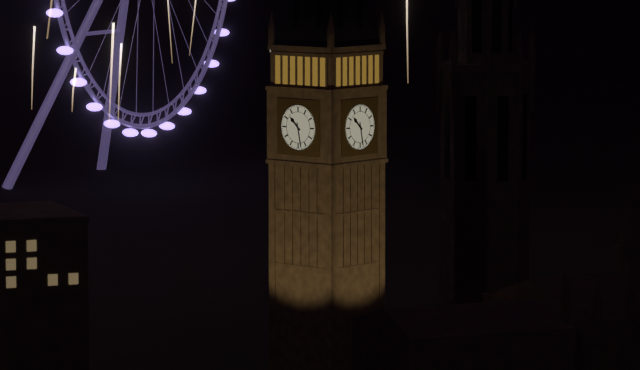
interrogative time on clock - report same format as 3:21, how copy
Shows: 10:28
